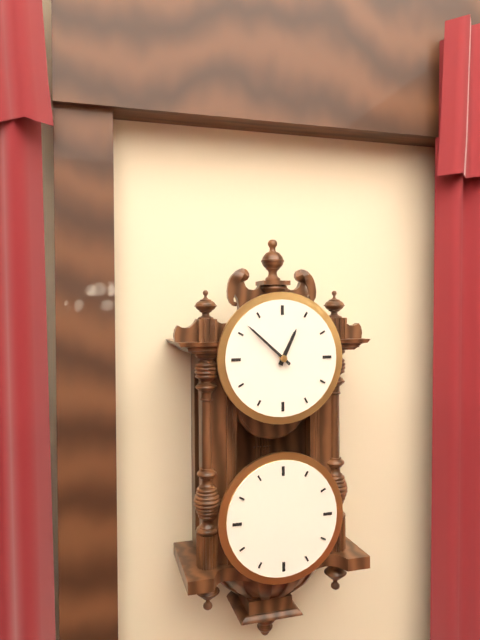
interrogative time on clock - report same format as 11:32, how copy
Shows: 12:52
